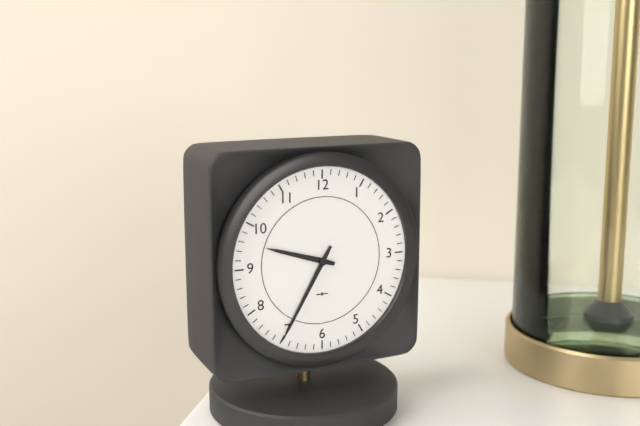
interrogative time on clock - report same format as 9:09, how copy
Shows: 9:35
